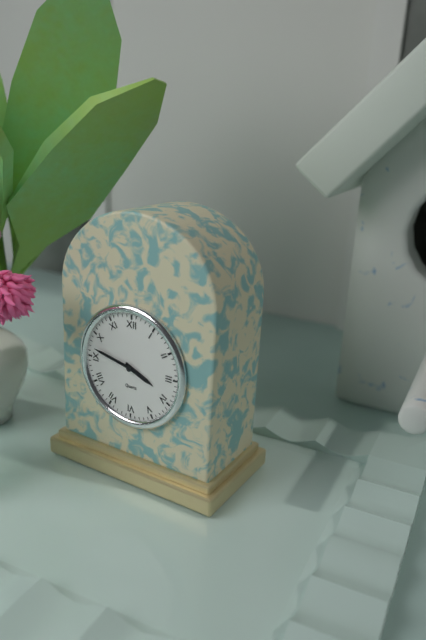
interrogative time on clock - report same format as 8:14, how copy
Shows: 3:47
